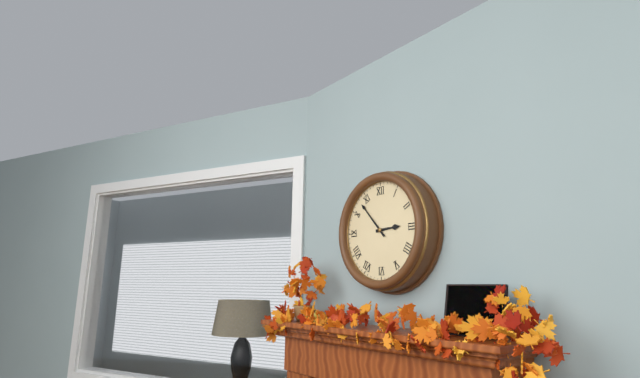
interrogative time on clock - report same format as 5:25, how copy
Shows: 2:53
